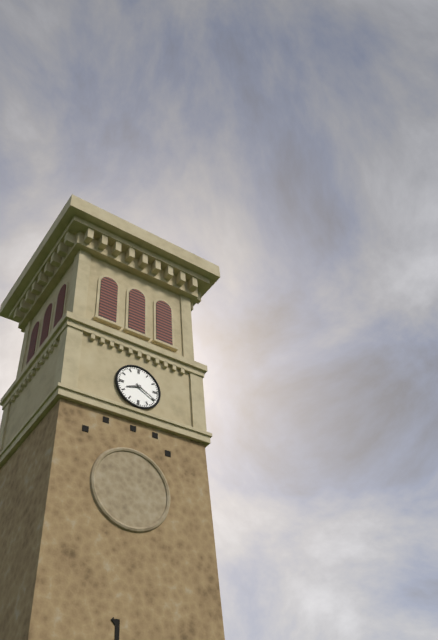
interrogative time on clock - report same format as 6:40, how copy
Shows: 8:20
